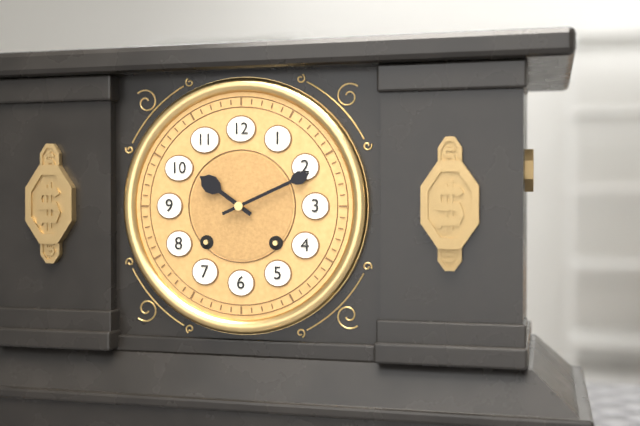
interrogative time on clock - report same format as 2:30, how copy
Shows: 10:11
